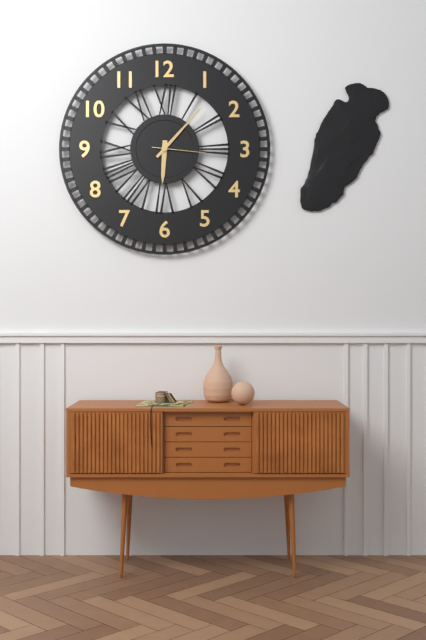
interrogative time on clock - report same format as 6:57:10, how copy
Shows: 6:07:16
